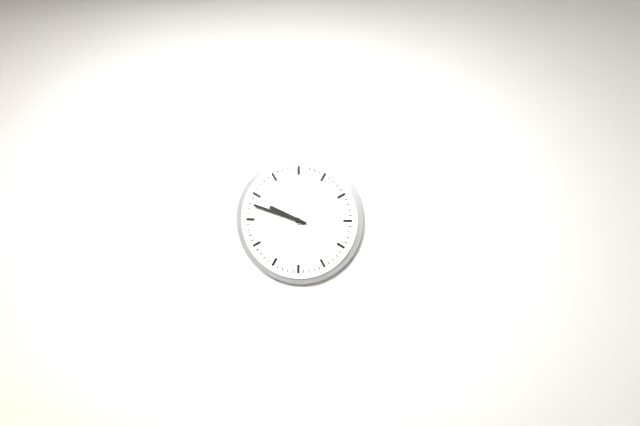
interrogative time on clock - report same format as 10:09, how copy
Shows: 9:48
